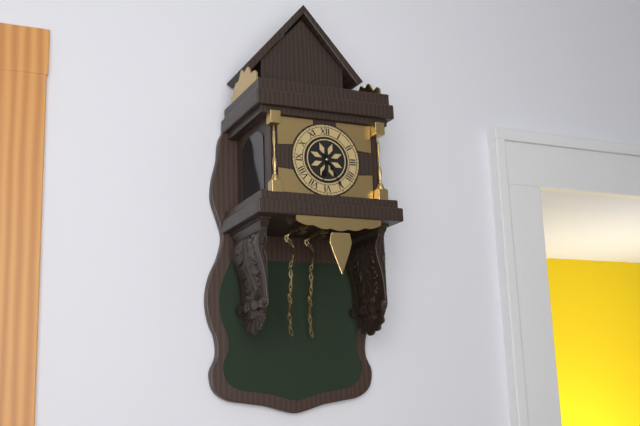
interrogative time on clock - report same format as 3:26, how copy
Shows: 6:25
